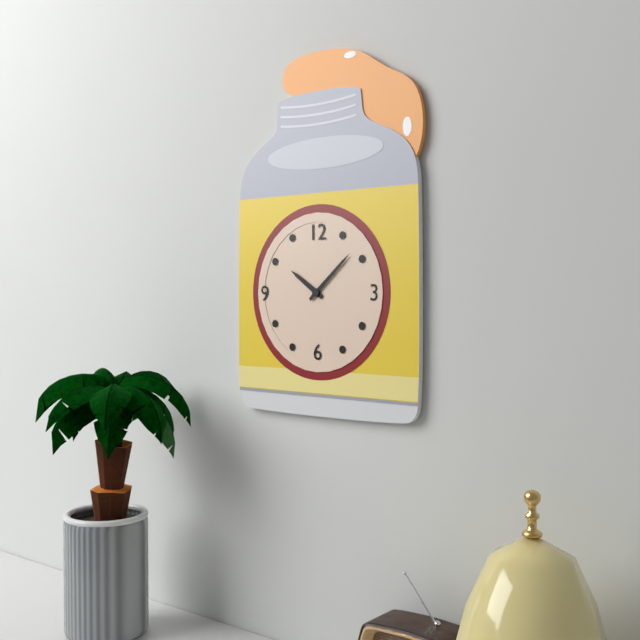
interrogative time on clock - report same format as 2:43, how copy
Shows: 10:08
